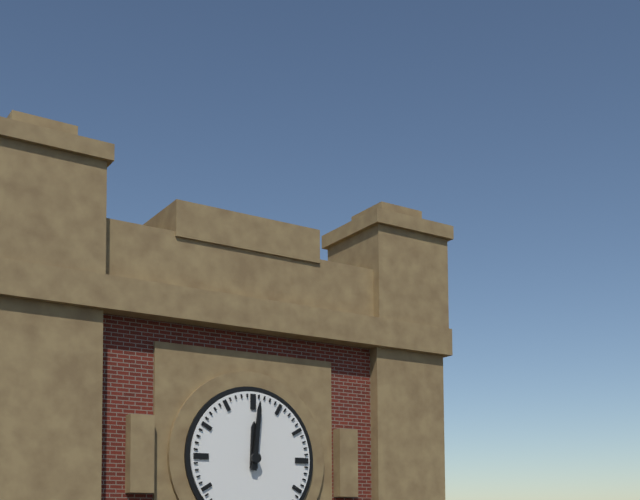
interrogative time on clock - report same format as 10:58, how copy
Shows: 12:01
